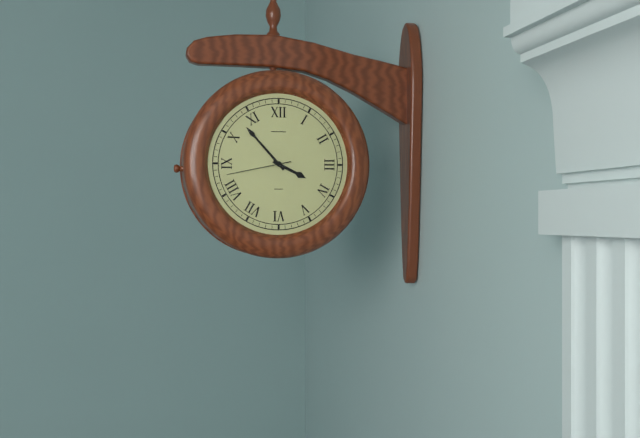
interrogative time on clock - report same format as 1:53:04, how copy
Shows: 3:53:43
